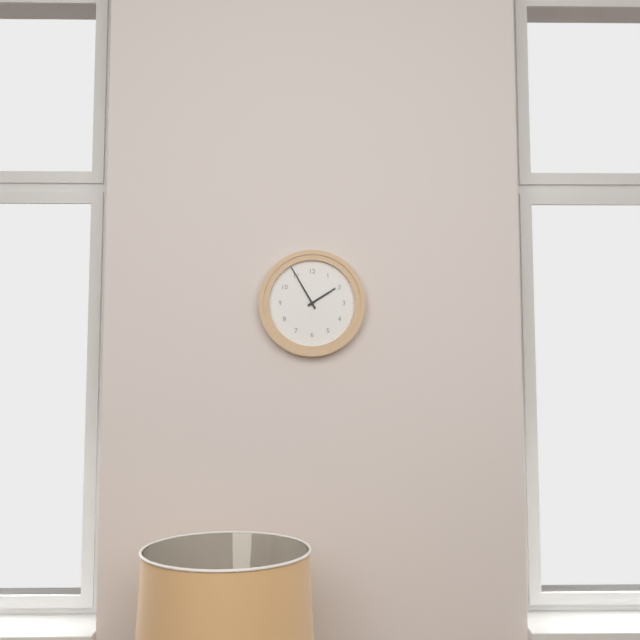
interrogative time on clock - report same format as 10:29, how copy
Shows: 1:55
